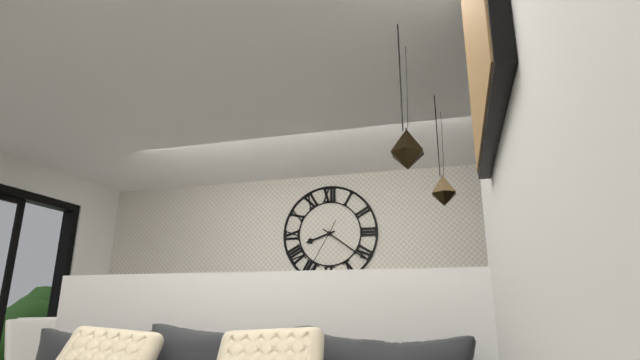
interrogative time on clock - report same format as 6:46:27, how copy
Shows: 8:21:35
